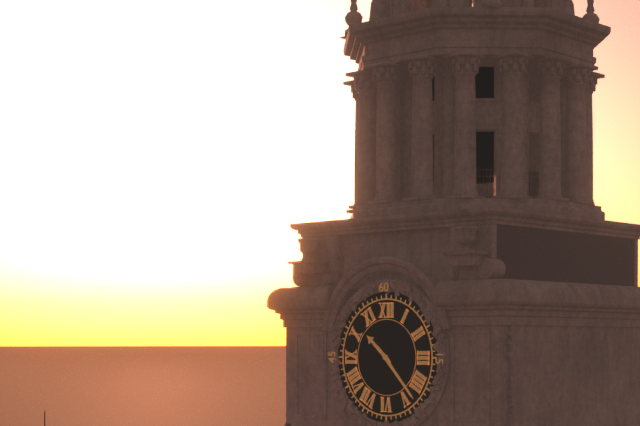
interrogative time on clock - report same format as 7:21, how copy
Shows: 10:23
